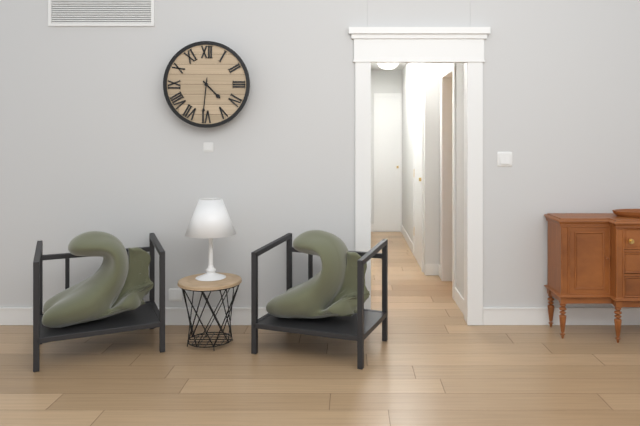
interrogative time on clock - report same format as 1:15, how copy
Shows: 4:31
